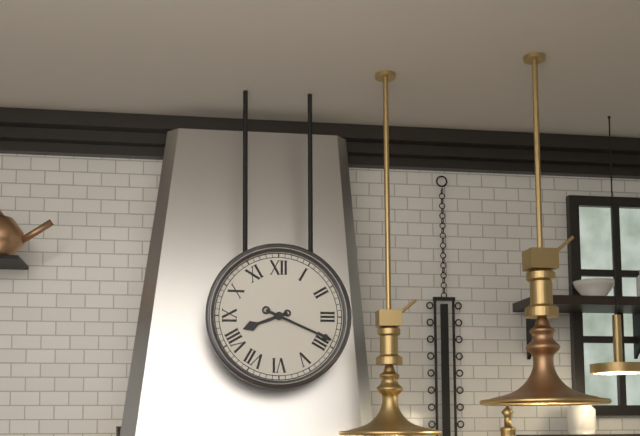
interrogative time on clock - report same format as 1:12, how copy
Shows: 8:19
